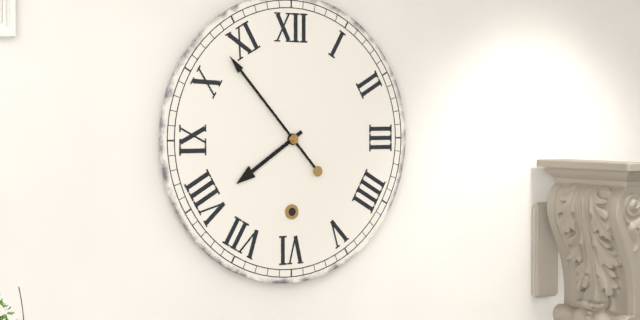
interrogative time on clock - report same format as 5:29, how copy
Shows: 7:53
